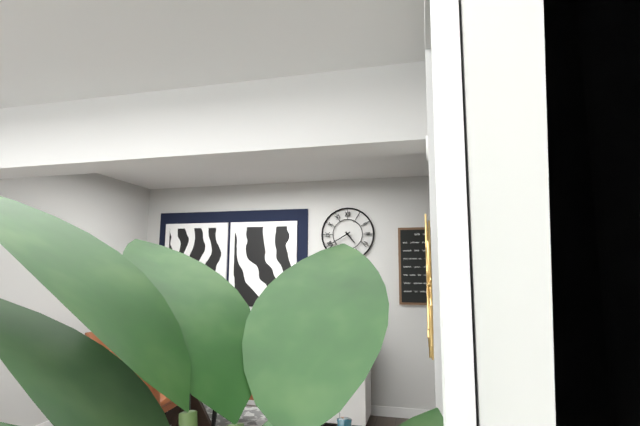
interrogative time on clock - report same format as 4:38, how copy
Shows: 4:40
